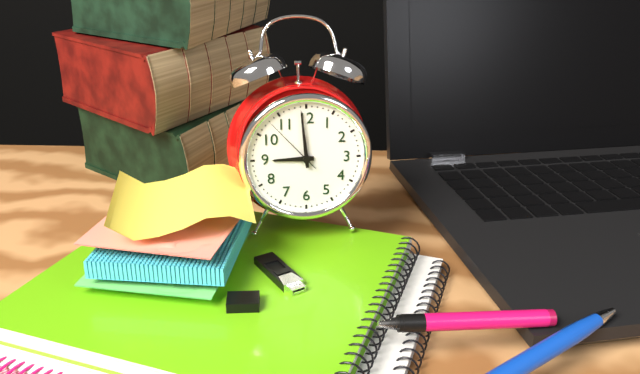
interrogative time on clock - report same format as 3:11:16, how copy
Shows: 8:59:53
